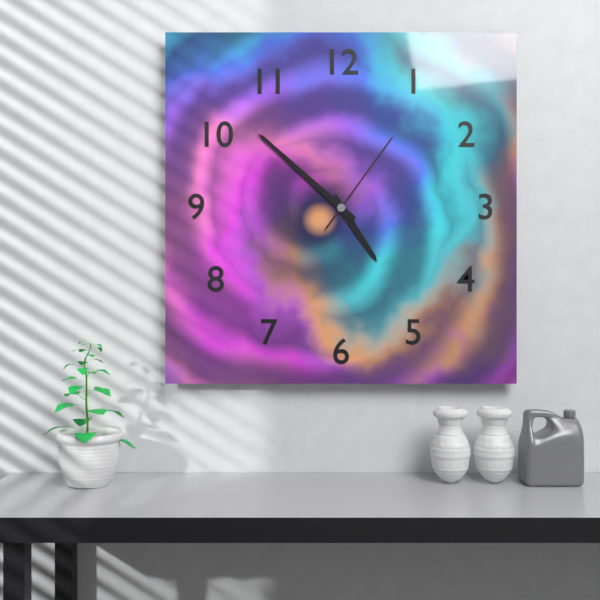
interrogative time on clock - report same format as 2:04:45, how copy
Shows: 4:52:06
